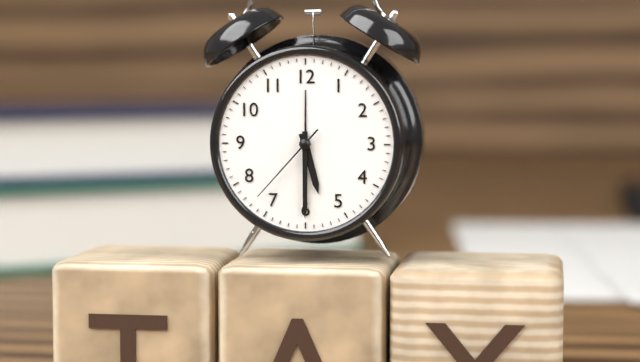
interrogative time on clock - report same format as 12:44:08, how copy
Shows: 5:30:37
